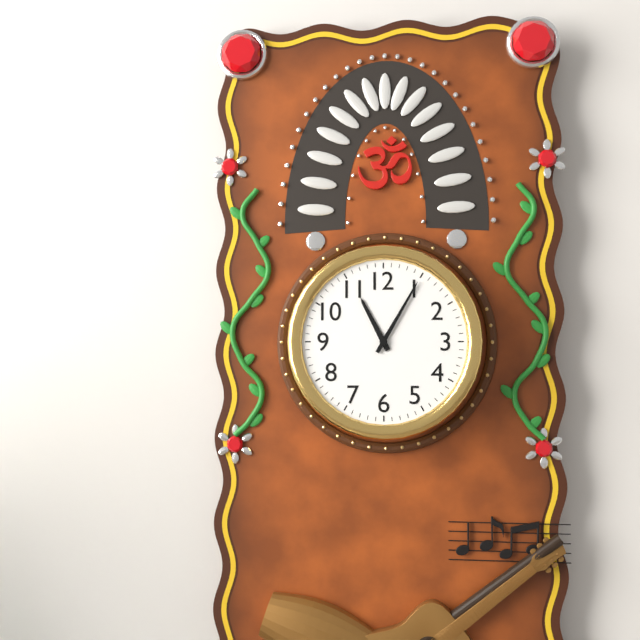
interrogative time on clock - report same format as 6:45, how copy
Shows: 11:05
